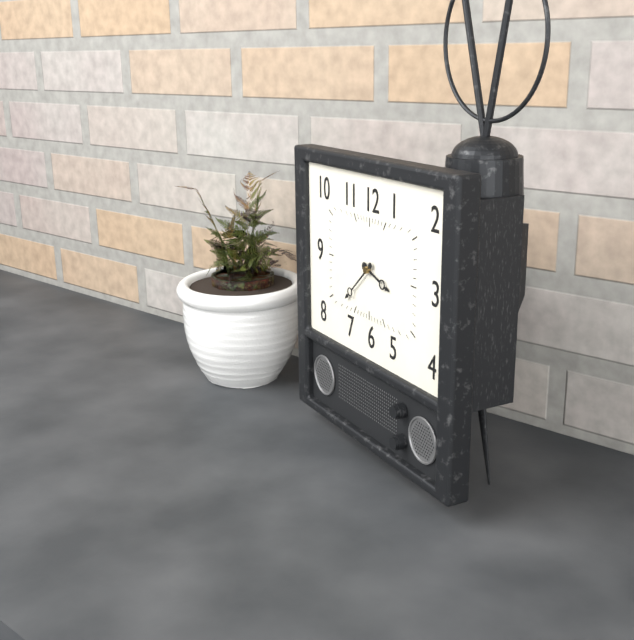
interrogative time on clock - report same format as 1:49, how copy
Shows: 3:38
